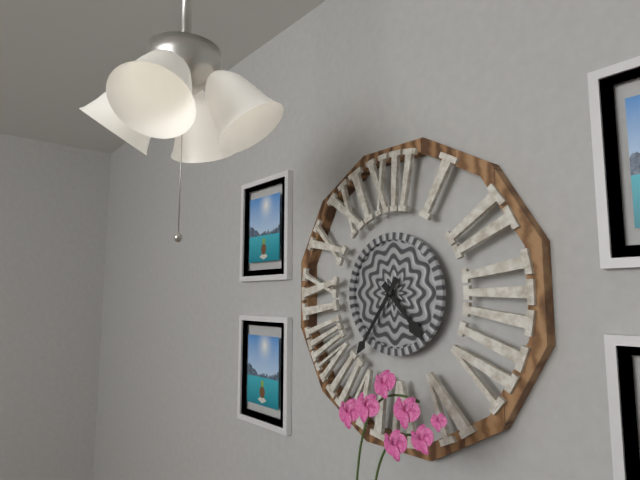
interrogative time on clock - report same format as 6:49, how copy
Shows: 4:36
